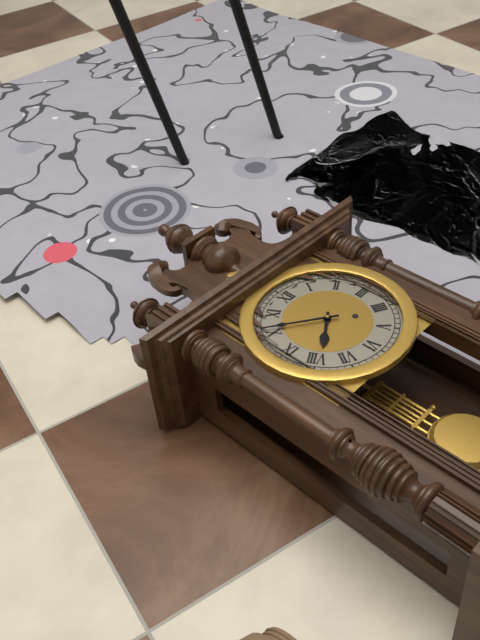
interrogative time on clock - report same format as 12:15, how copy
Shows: 7:51
